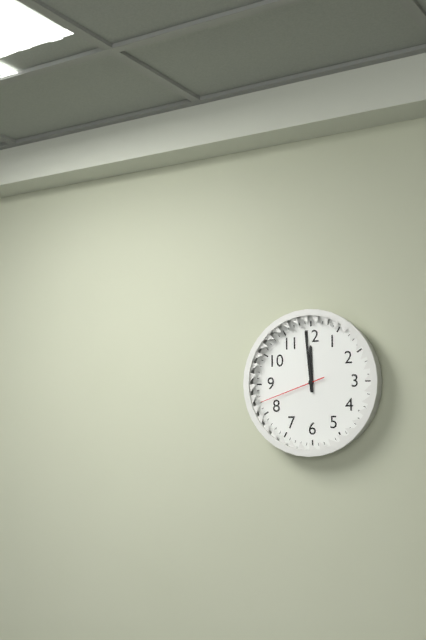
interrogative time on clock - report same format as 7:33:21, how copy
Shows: 11:59:42
